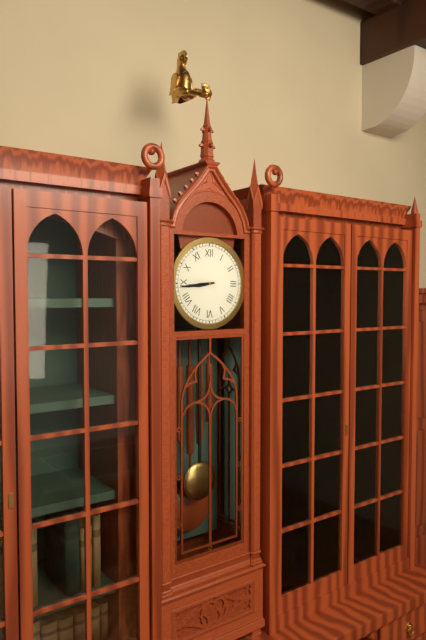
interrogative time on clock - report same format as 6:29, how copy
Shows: 8:44
